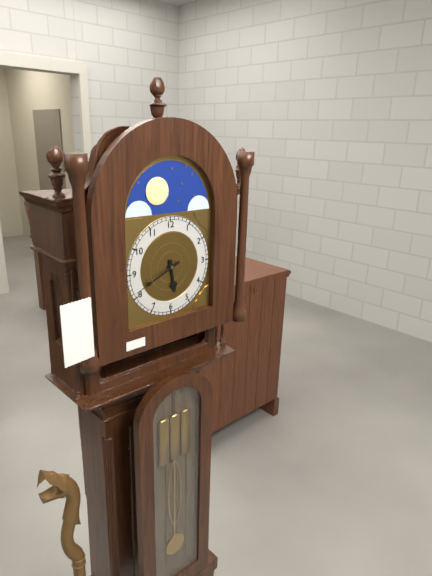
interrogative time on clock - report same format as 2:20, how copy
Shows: 5:41
